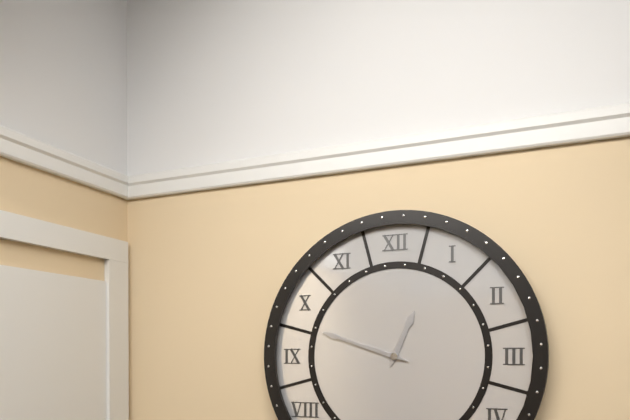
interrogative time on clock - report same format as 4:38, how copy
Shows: 12:48
